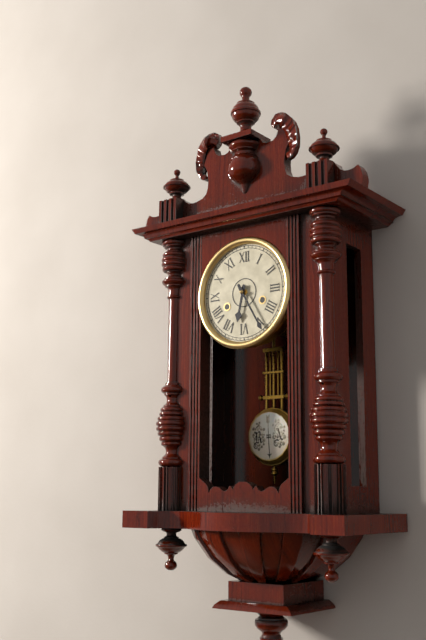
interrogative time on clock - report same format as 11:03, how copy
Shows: 6:25
